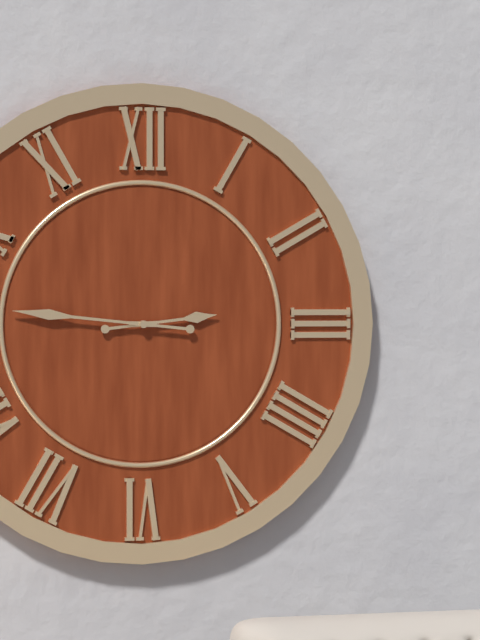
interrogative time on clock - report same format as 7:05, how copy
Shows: 2:46
